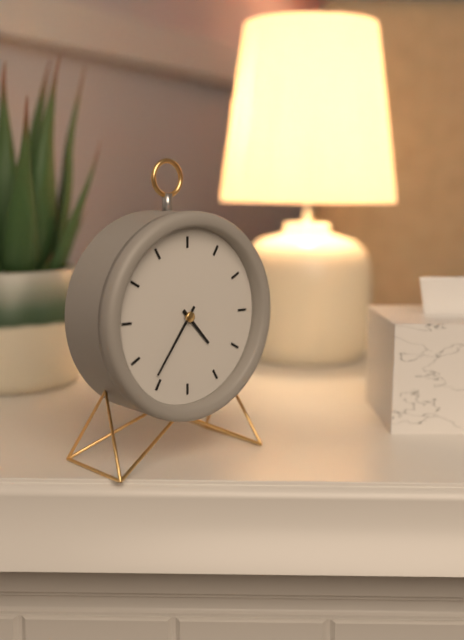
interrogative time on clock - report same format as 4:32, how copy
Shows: 4:36
